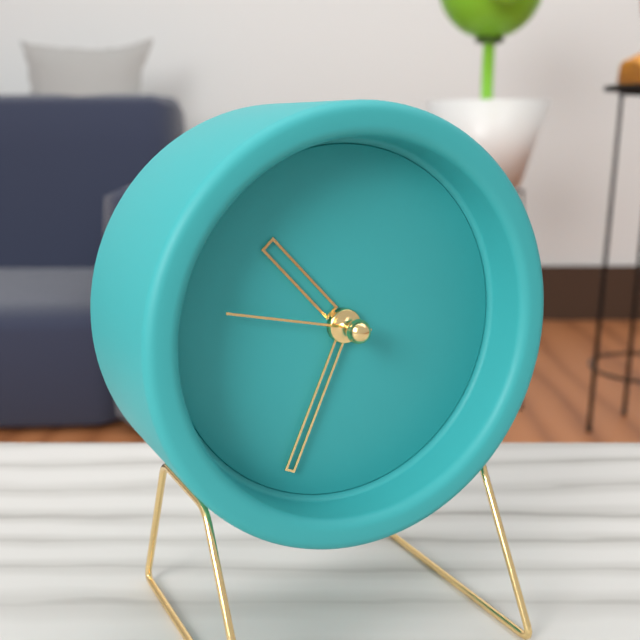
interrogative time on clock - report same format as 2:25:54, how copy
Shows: 10:34:47
